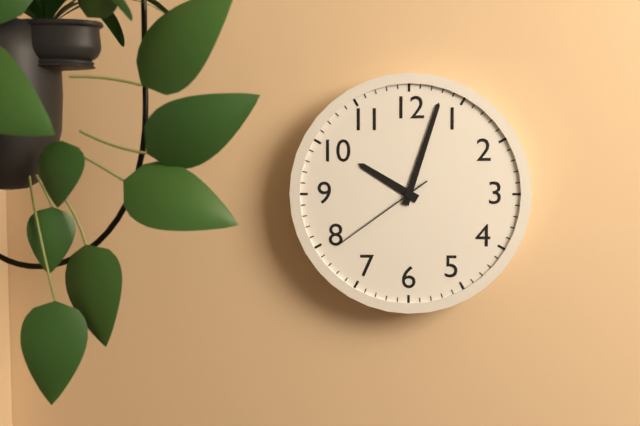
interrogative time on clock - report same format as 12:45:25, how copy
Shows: 10:03:39
